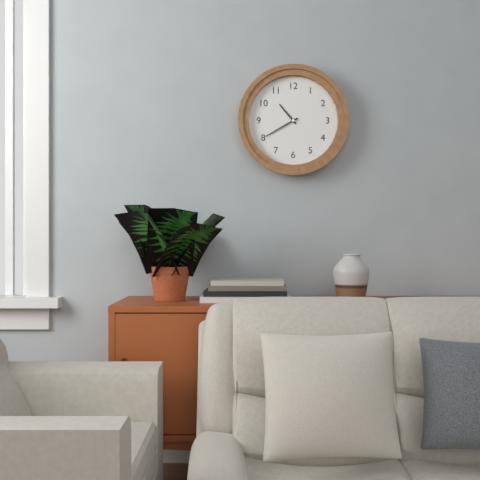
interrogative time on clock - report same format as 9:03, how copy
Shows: 10:40
